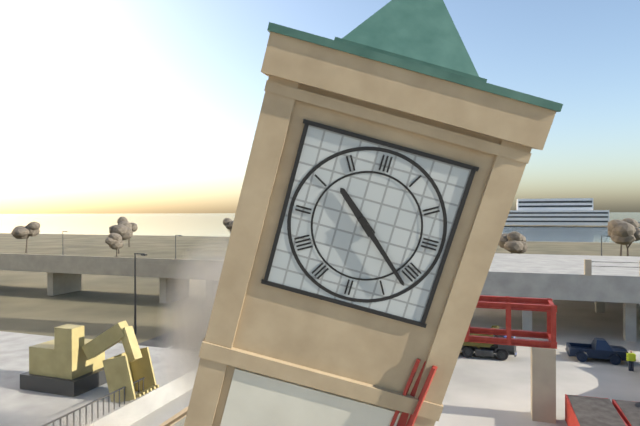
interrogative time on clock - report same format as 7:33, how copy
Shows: 10:22
